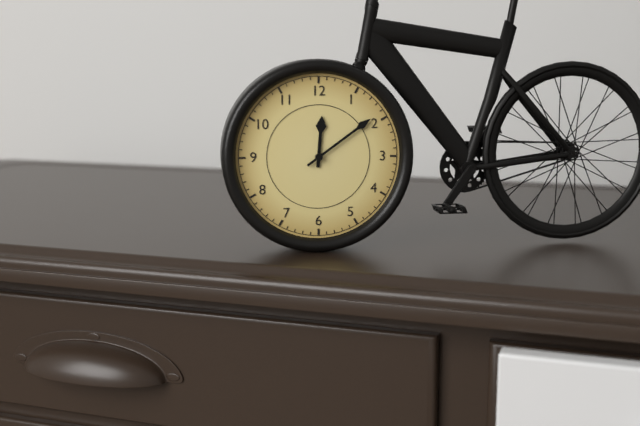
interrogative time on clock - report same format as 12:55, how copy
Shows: 12:09
